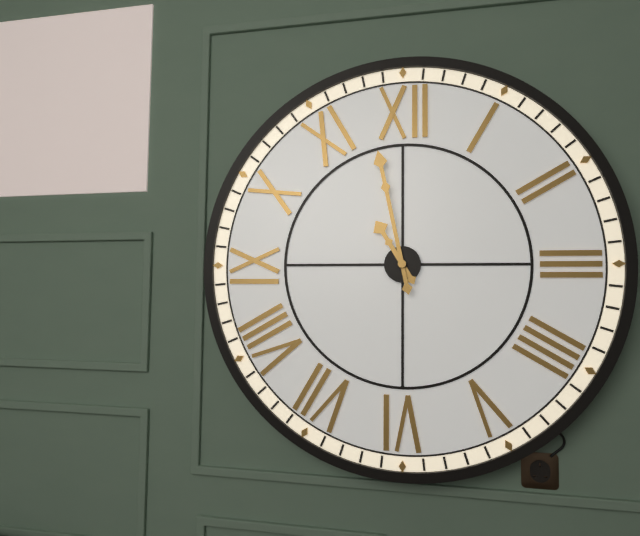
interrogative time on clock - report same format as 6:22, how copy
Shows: 10:58
